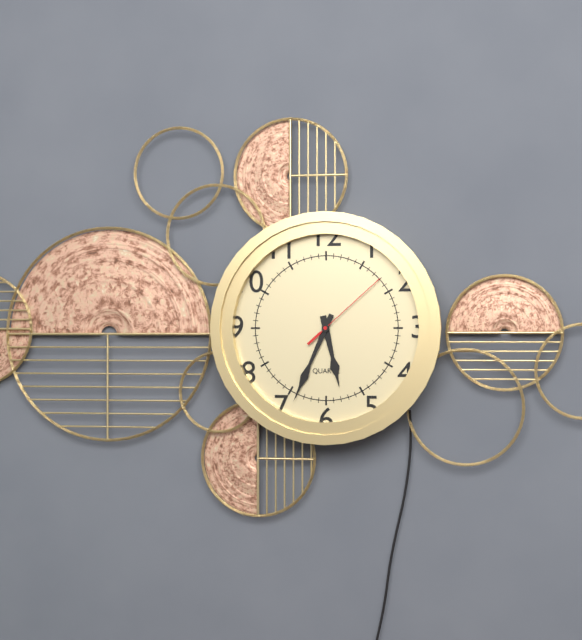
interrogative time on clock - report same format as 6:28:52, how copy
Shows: 5:34:08
